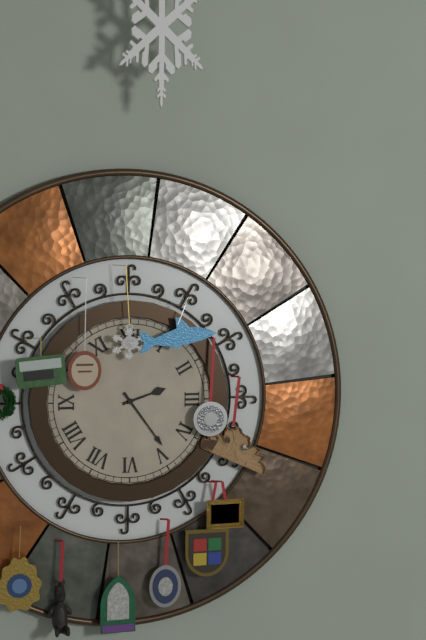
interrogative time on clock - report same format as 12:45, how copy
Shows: 2:24
